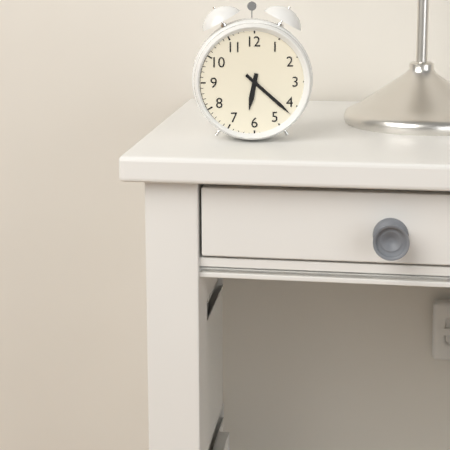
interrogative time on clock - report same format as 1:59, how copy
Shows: 6:22
